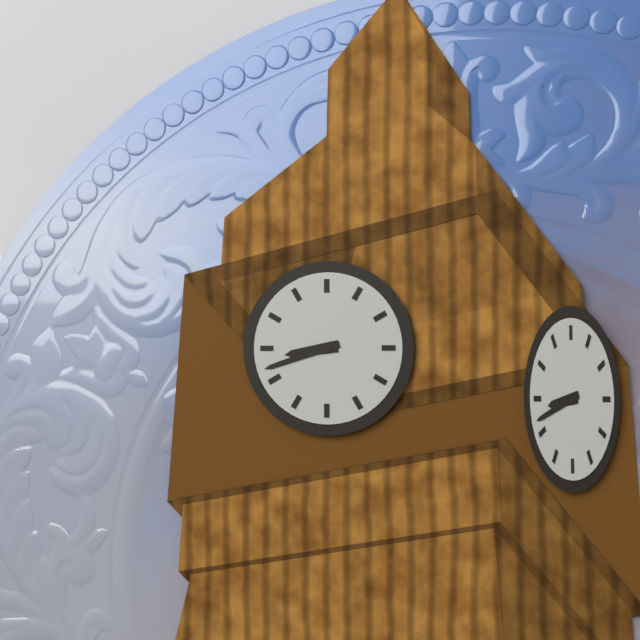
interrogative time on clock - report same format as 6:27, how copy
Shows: 8:42
